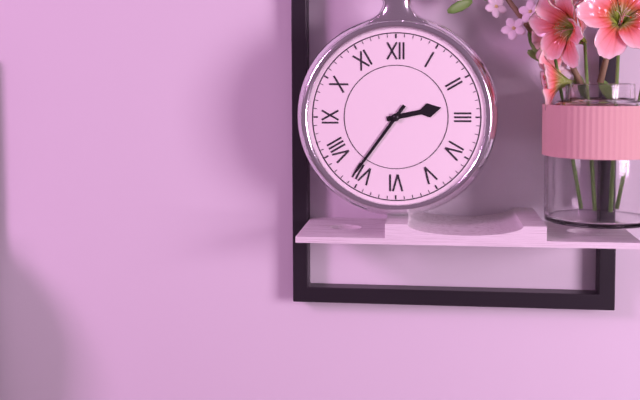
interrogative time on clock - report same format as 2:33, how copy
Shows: 2:36
